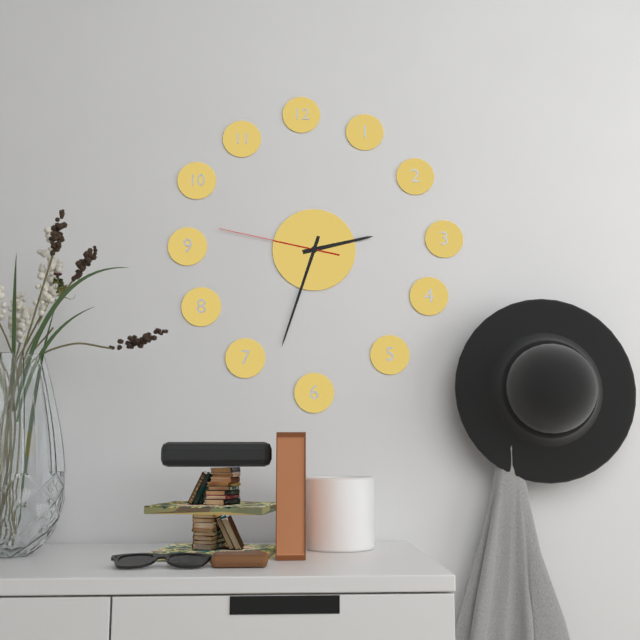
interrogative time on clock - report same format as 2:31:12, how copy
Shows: 2:33:47
